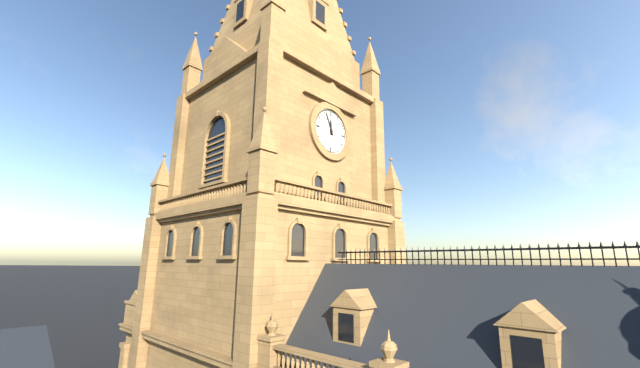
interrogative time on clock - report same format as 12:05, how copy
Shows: 11:56
